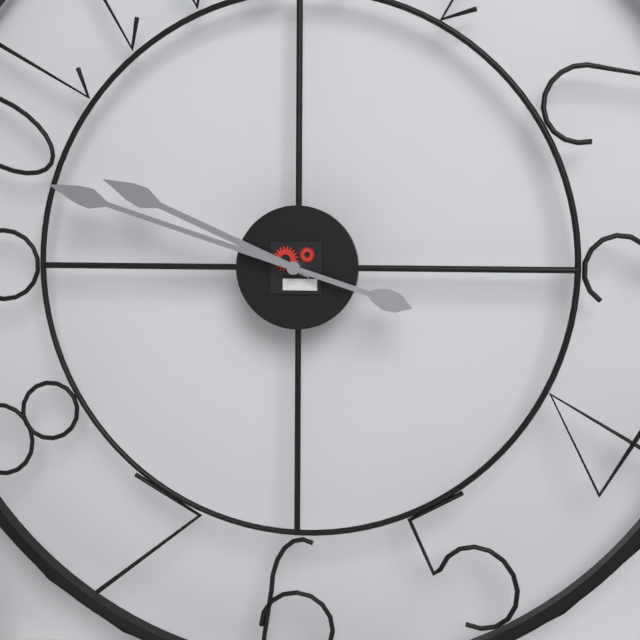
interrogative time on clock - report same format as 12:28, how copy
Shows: 9:48
